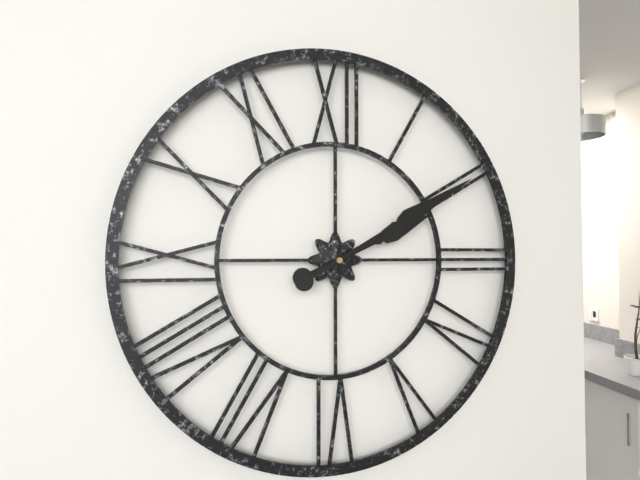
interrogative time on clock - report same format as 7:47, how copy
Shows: 2:10
